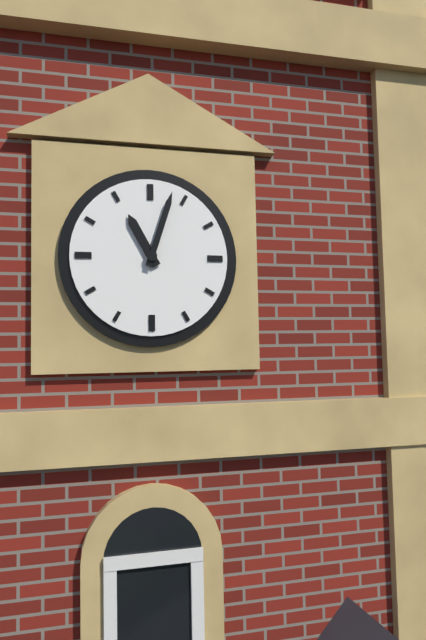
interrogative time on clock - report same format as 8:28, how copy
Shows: 11:03
